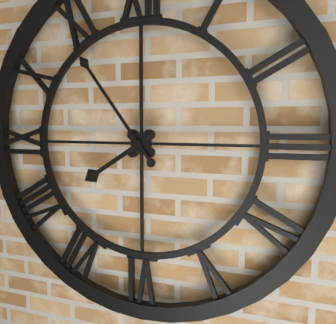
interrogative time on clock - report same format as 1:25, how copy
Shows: 7:54
